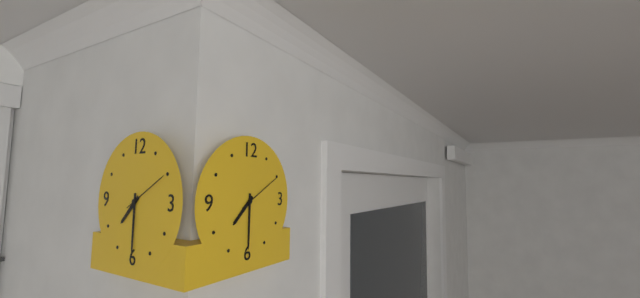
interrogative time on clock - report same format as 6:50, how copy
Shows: 7:30
